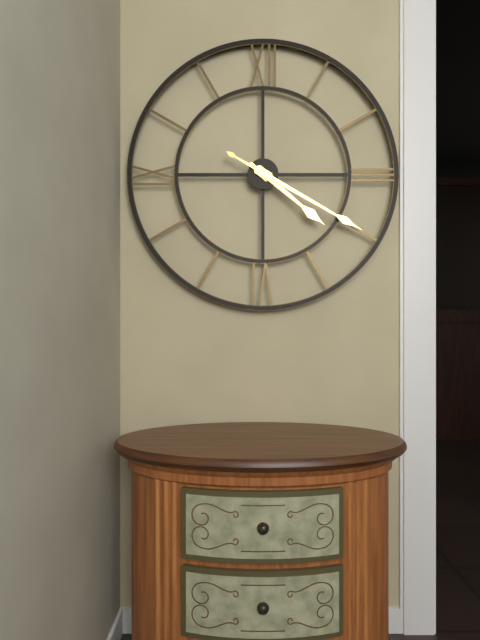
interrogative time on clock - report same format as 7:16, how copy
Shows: 4:20
